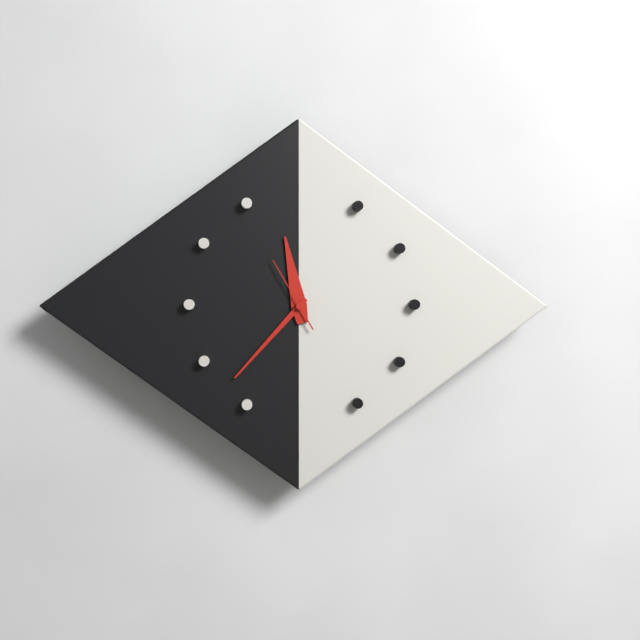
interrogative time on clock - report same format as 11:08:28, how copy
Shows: 11:37:55
